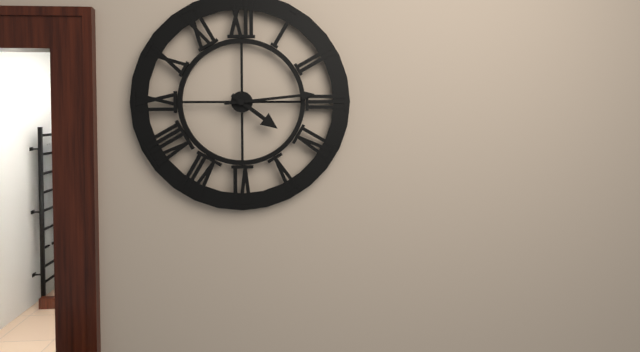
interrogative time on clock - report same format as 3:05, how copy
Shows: 4:14
